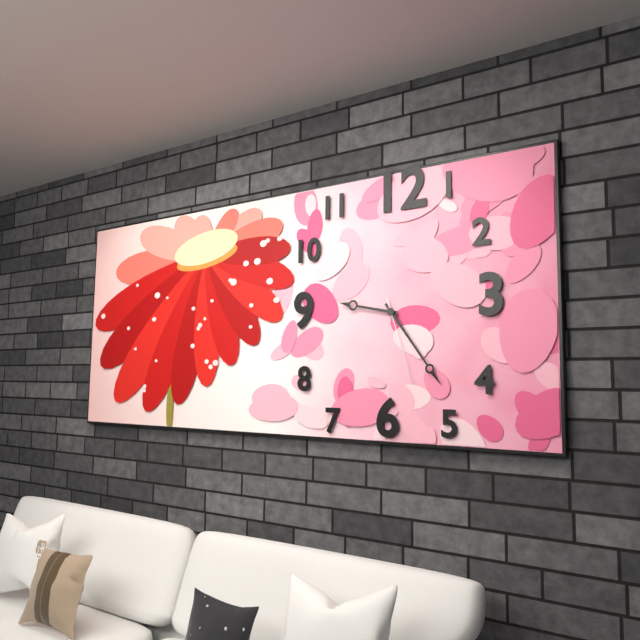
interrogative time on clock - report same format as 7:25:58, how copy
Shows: 9:24:27
